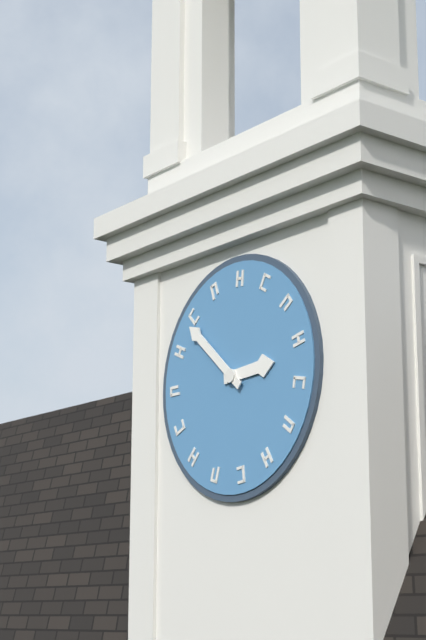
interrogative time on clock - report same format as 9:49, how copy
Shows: 2:52
